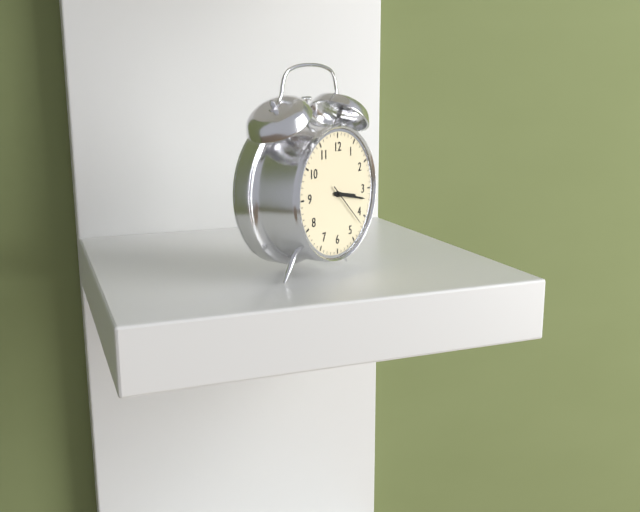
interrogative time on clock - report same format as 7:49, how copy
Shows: 3:17
